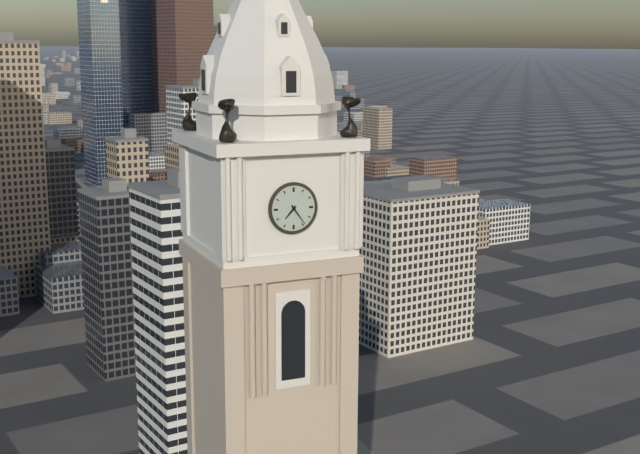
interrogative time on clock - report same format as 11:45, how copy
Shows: 7:24
